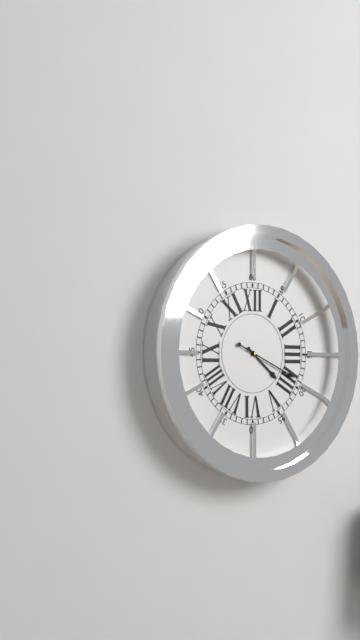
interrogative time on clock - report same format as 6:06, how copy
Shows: 4:19
